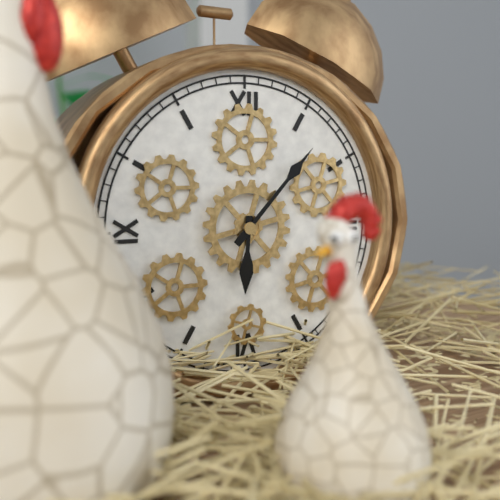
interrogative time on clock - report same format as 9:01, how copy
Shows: 6:07
